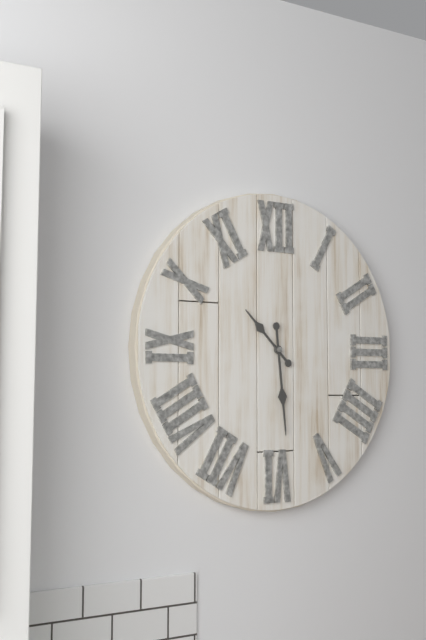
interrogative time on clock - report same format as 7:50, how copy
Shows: 10:29
